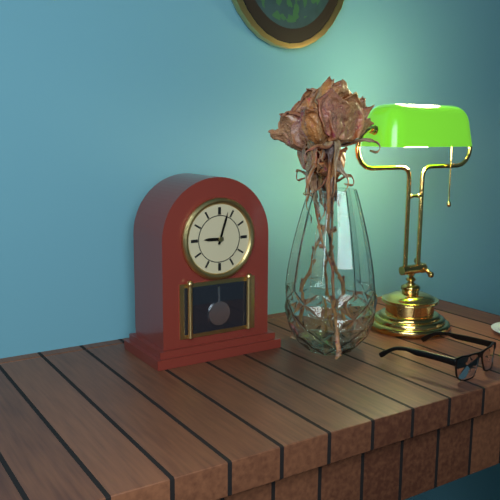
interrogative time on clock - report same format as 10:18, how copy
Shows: 9:03
